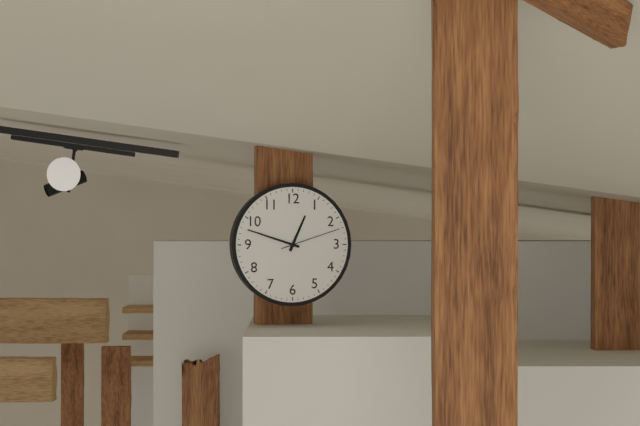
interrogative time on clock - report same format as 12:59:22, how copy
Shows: 12:48:12
